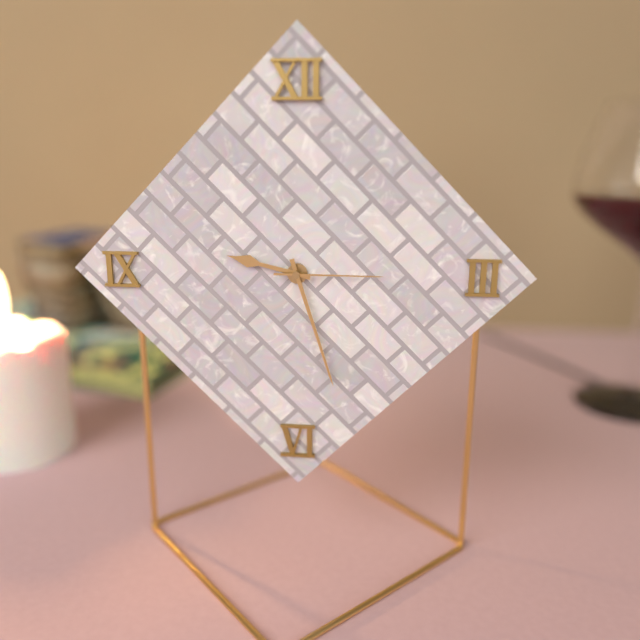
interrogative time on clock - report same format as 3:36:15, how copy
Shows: 9:27:15
